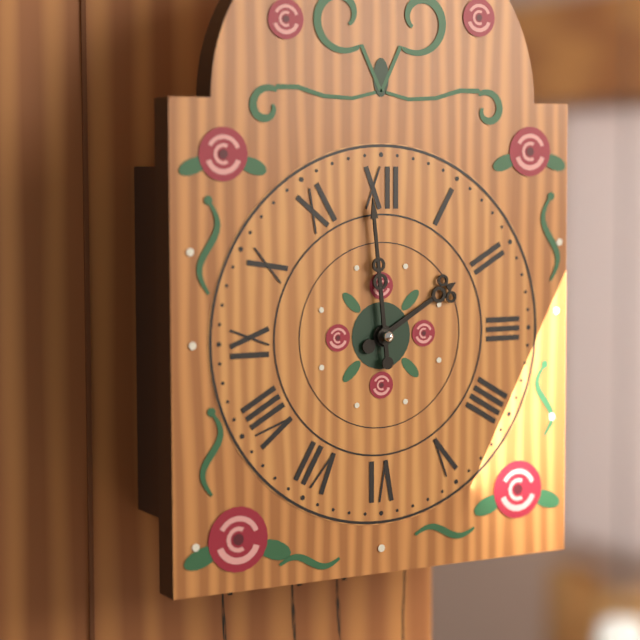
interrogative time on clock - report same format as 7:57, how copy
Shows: 1:59
